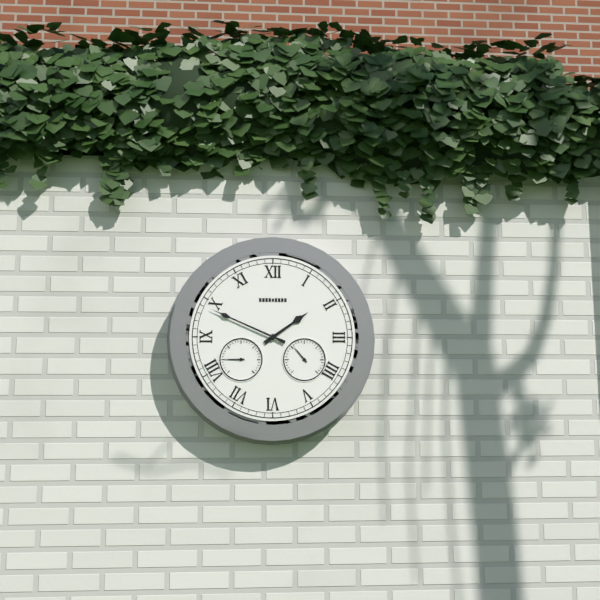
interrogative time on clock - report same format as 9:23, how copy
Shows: 1:49
